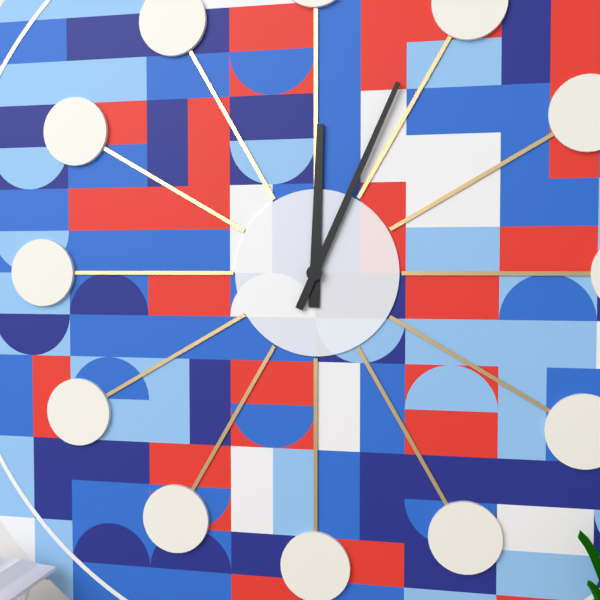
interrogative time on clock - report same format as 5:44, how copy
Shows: 12:04
